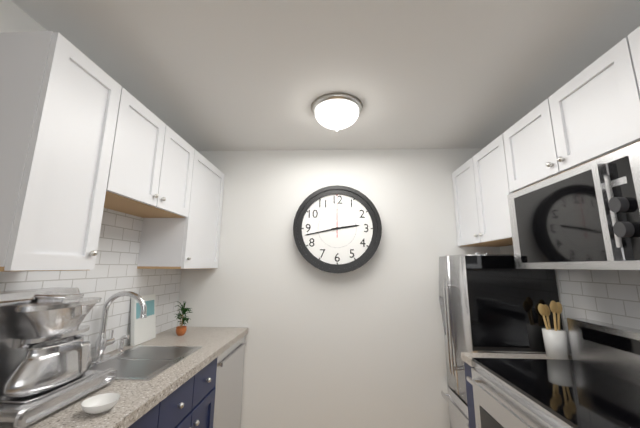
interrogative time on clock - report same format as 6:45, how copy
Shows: 2:43
